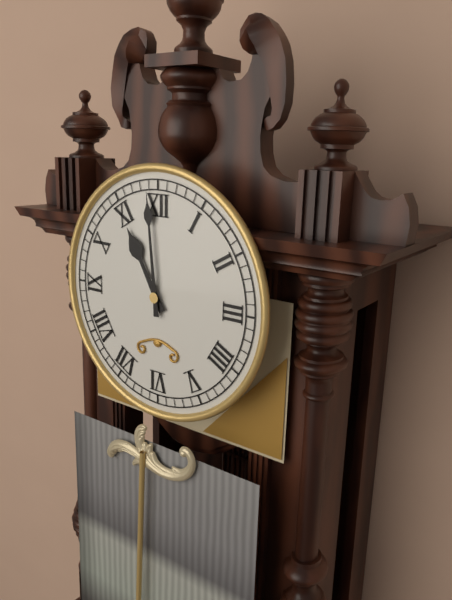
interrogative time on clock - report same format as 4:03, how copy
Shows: 10:59
